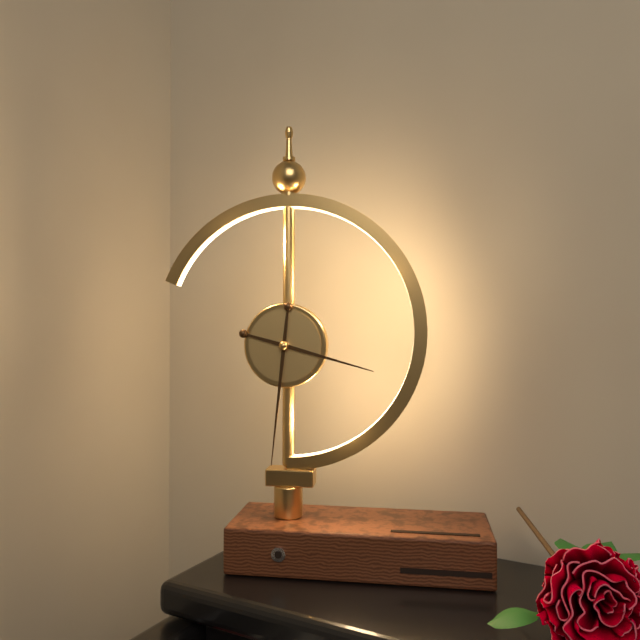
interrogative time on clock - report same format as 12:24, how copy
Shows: 3:31
